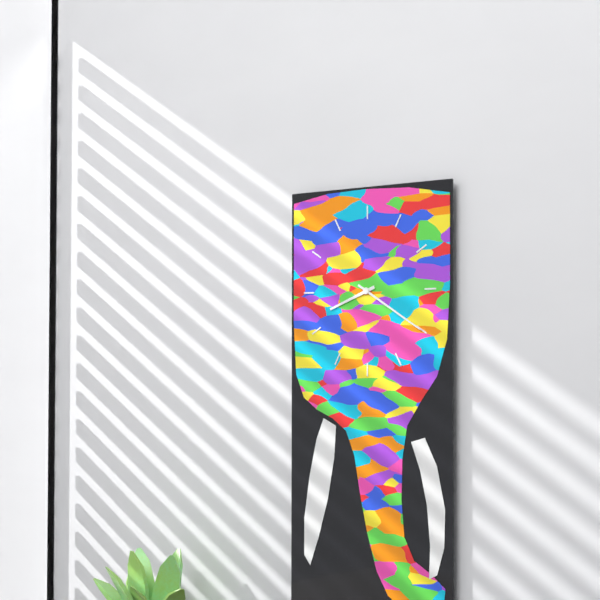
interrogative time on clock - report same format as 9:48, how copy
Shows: 8:20
